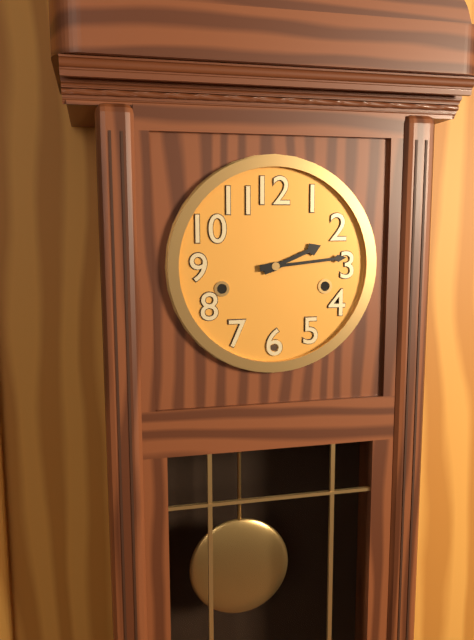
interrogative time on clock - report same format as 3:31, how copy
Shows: 2:14
